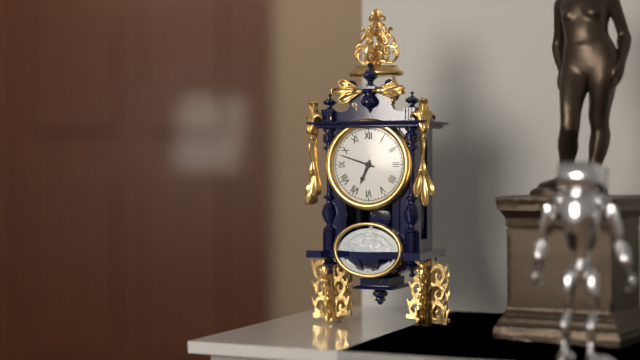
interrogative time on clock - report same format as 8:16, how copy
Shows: 6:48
